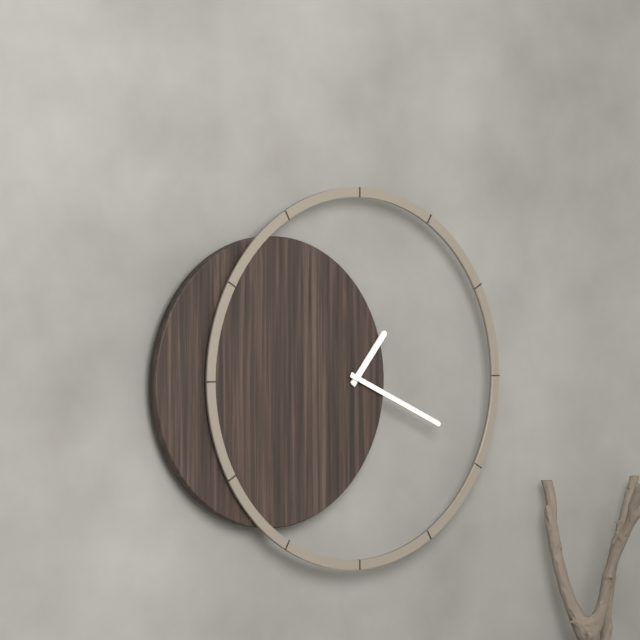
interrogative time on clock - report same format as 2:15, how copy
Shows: 1:19
